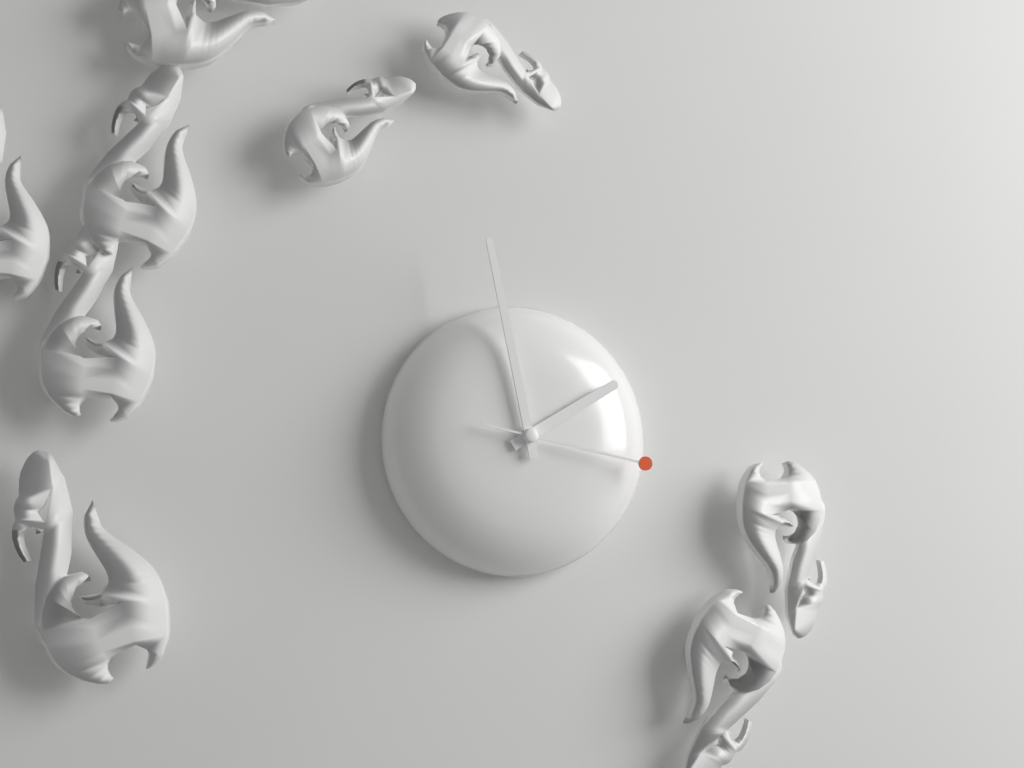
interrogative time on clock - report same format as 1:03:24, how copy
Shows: 1:58:17
